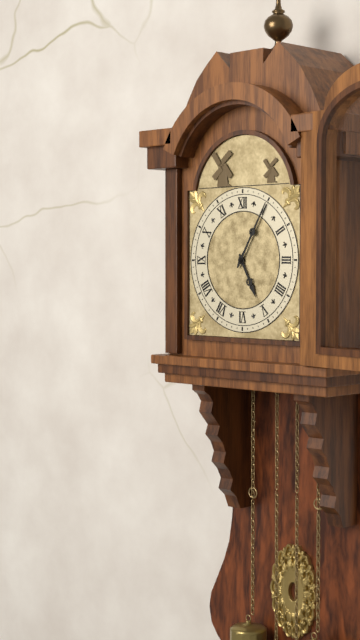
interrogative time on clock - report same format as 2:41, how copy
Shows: 5:05
